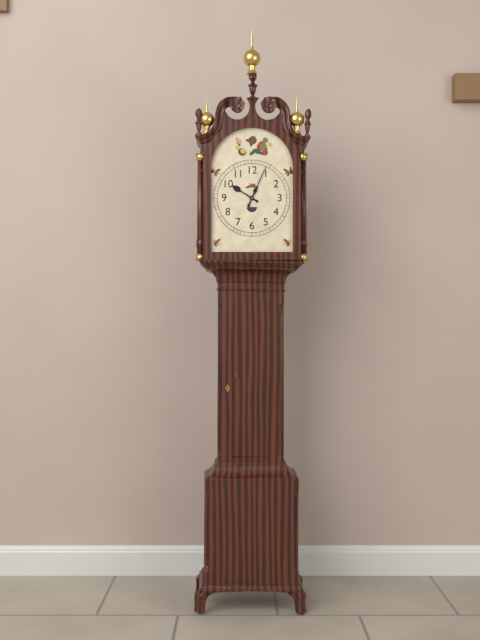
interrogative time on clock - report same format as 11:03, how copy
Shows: 10:04
